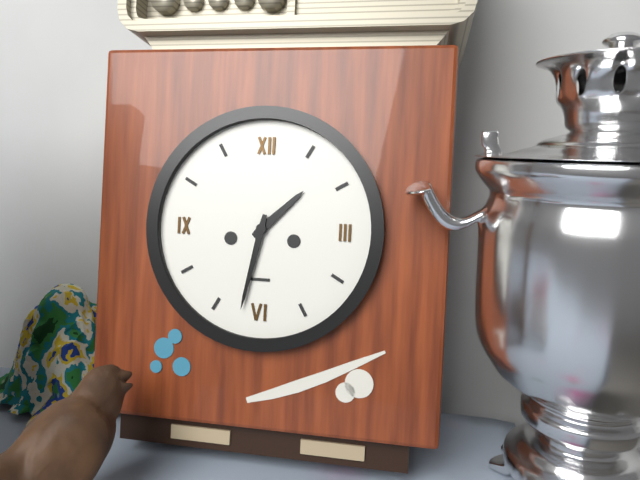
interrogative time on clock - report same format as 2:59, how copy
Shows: 1:32
